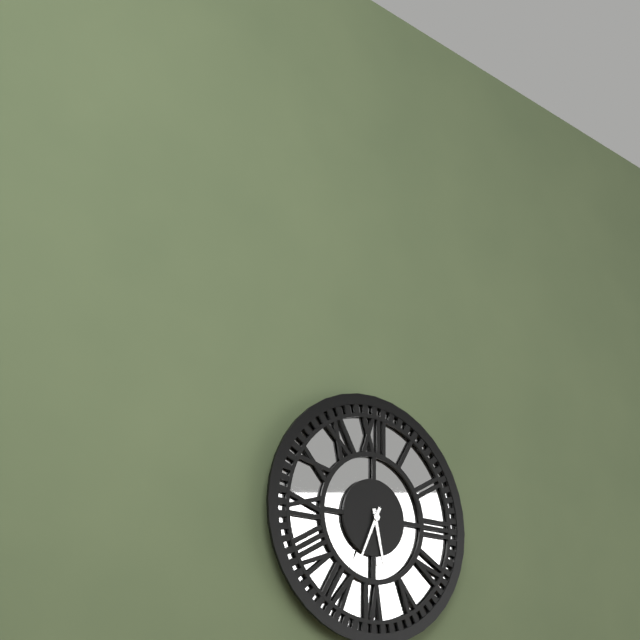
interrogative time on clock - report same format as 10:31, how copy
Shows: 5:34
